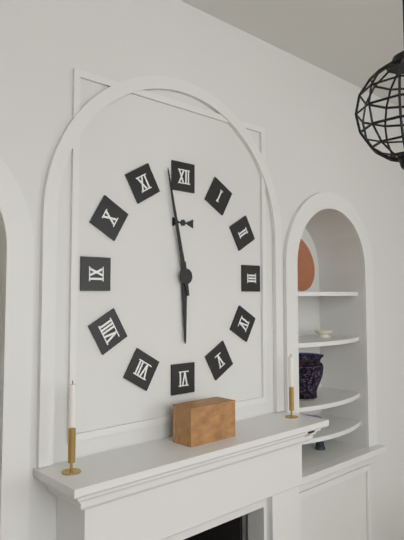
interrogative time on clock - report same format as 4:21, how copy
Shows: 5:58
